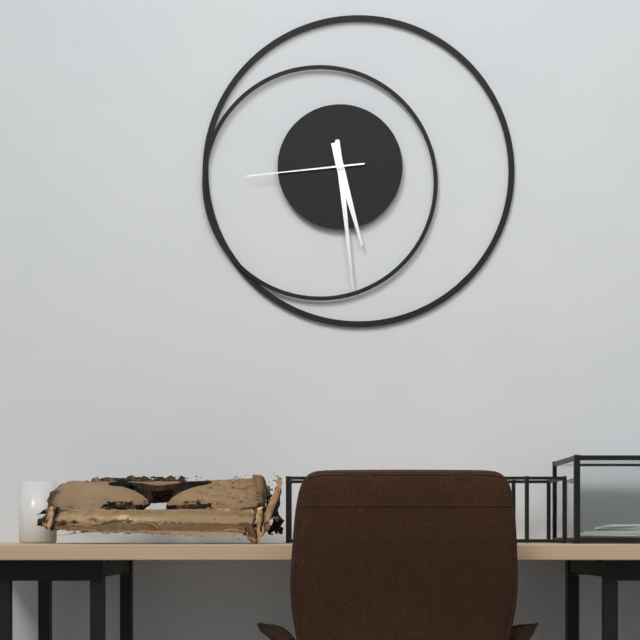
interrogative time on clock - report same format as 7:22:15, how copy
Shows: 5:29:44
